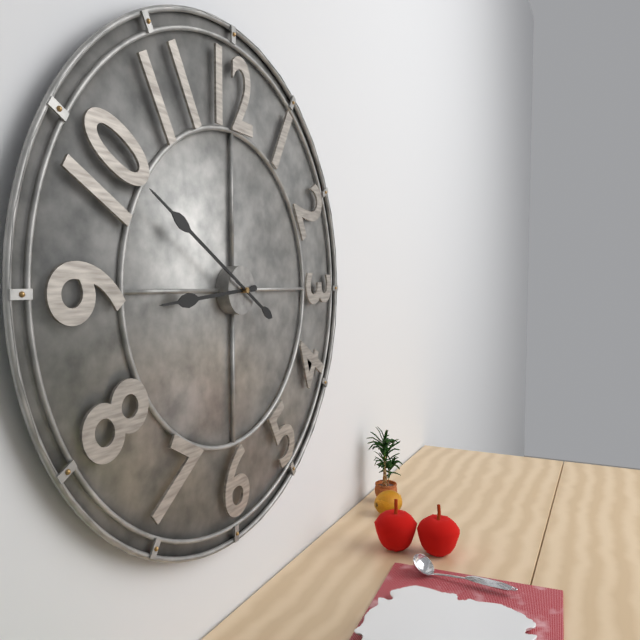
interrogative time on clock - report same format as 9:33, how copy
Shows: 8:50
